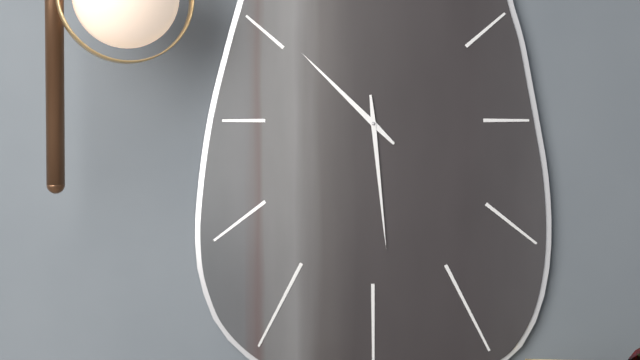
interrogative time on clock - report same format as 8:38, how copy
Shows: 10:29
